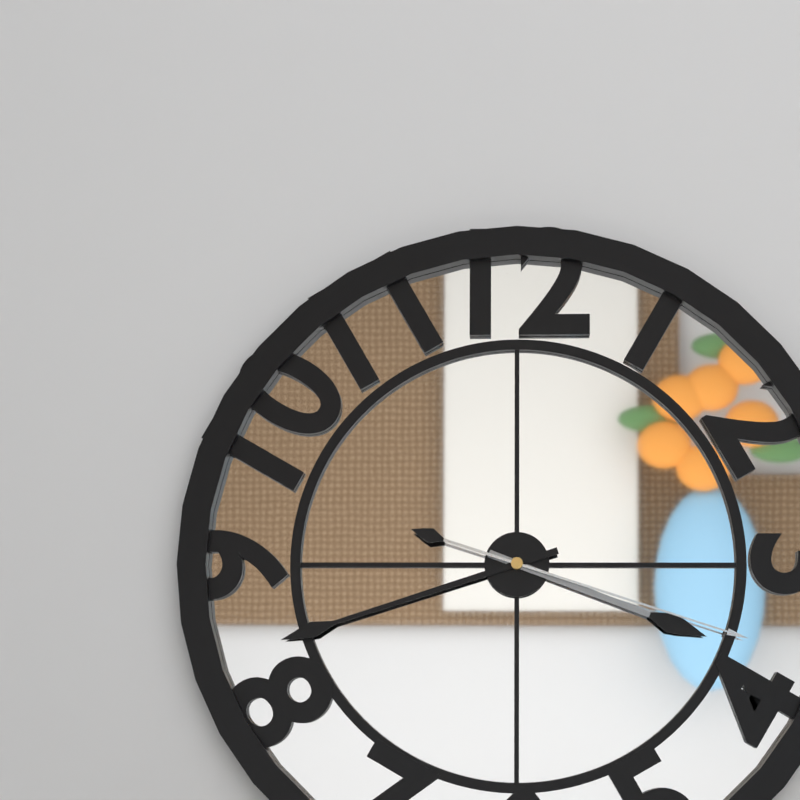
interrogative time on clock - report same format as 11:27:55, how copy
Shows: 3:42:18
